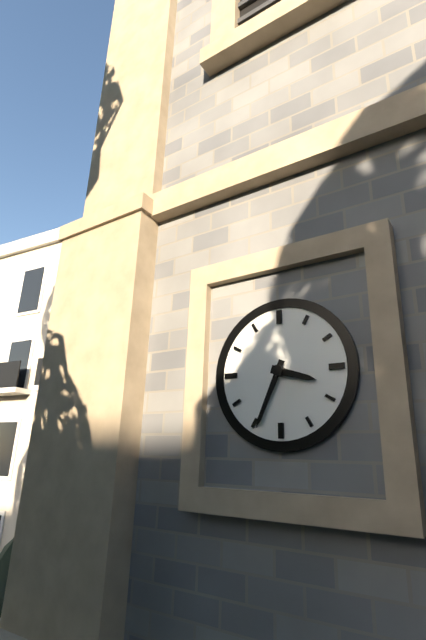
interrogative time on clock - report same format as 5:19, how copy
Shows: 3:34
